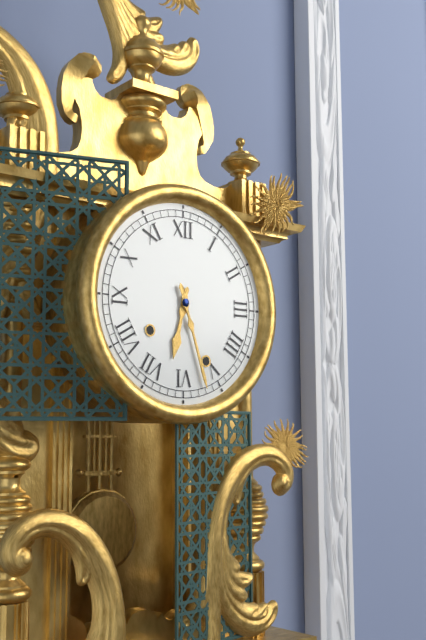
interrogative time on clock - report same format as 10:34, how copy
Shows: 6:27
